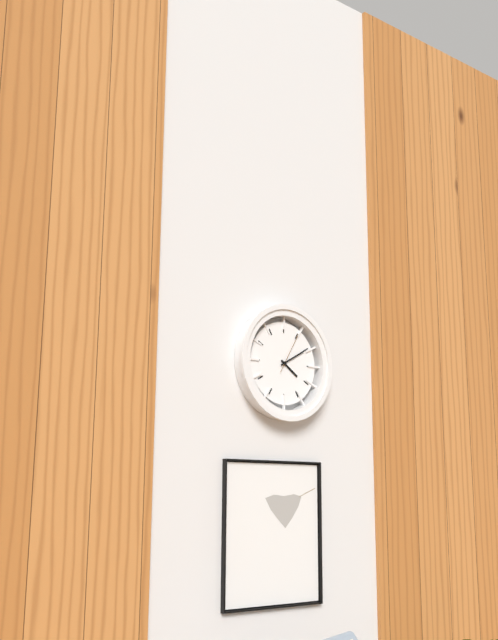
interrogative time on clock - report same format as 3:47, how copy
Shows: 4:10
